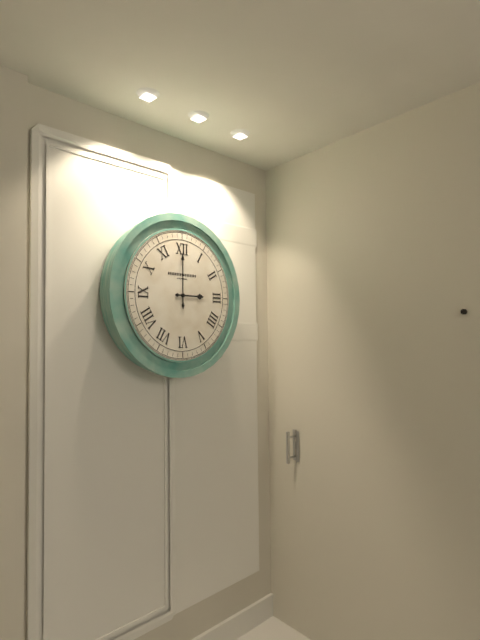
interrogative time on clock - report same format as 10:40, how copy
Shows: 3:00
